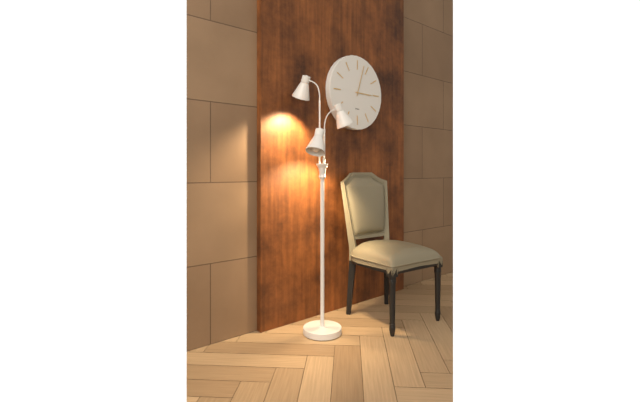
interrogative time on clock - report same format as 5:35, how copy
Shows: 3:03
